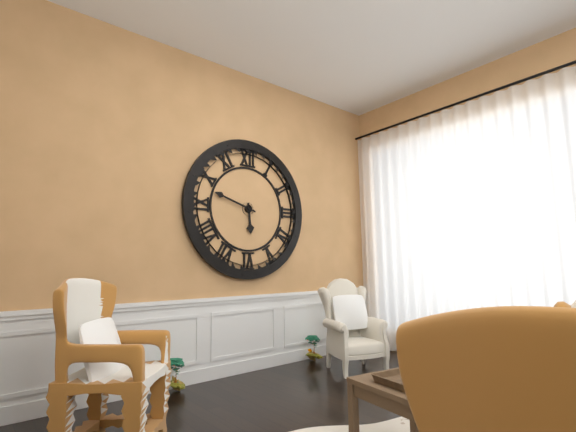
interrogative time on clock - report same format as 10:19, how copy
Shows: 5:48
